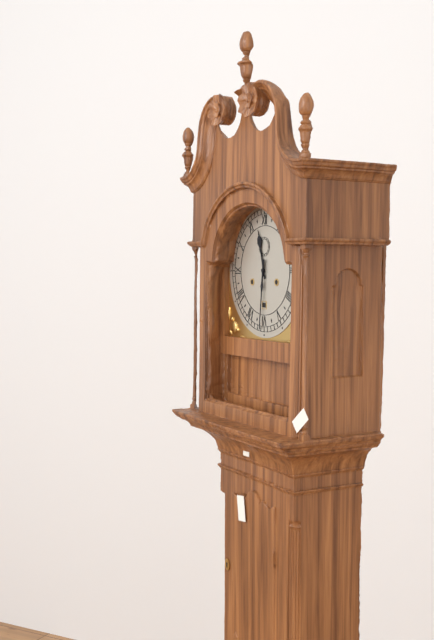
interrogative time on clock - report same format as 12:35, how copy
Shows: 11:31
